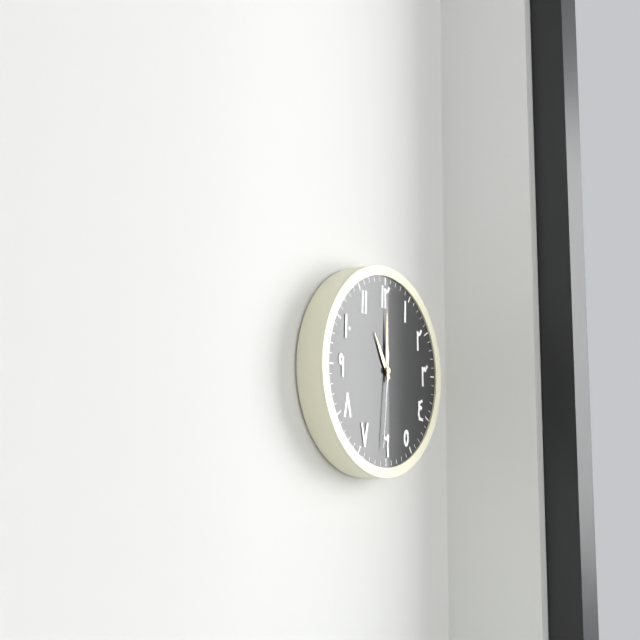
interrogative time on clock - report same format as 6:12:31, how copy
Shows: 11:00:31
